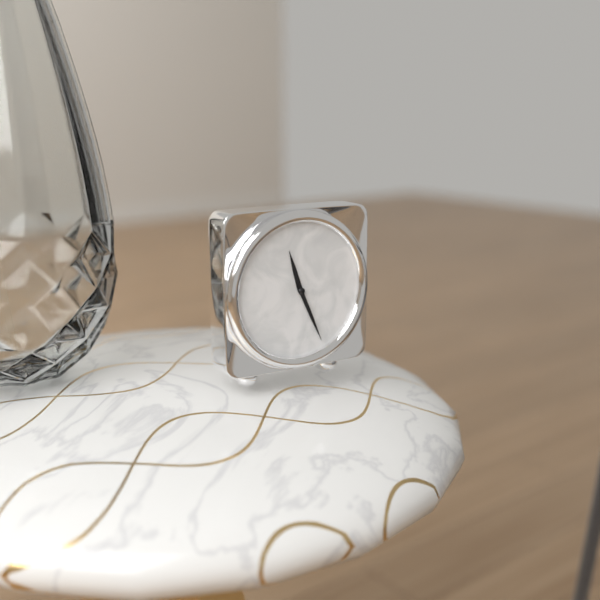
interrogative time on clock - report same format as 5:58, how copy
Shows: 11:26
